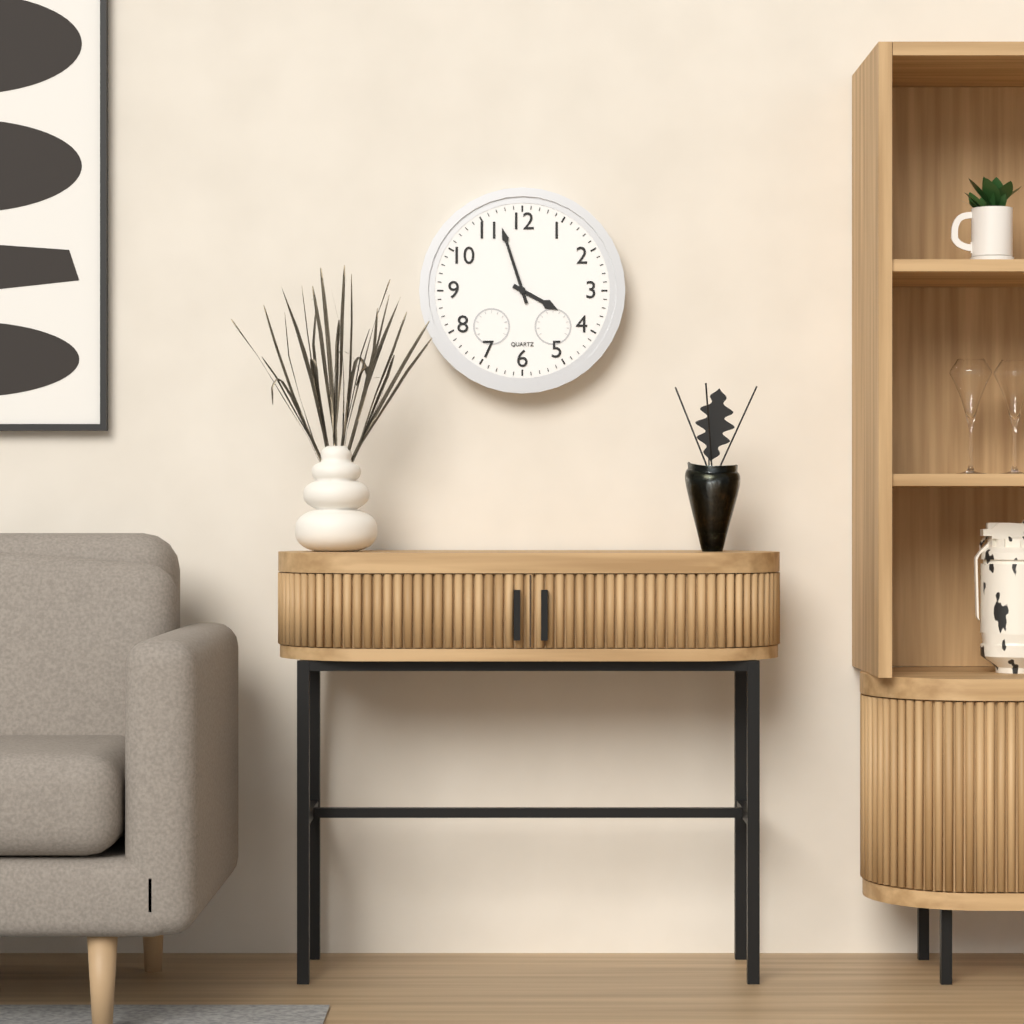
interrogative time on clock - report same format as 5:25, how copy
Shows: 3:57
